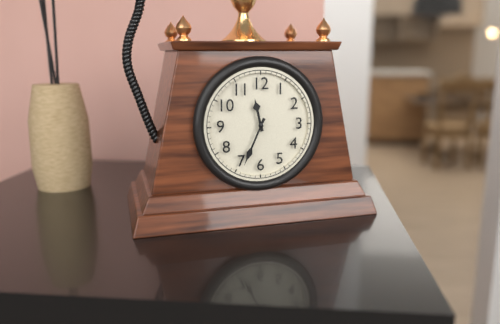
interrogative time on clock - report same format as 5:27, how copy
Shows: 11:34
